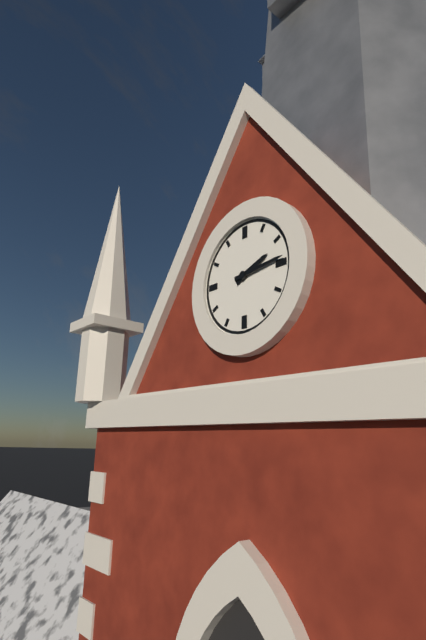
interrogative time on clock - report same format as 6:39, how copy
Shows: 2:14
